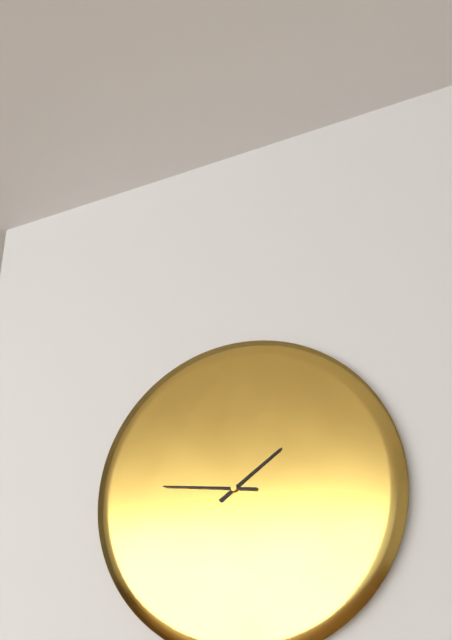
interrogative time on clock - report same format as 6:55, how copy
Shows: 1:46
